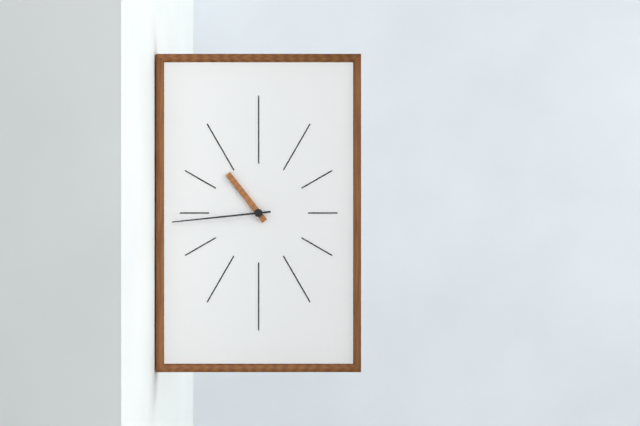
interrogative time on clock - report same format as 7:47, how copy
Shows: 10:44
